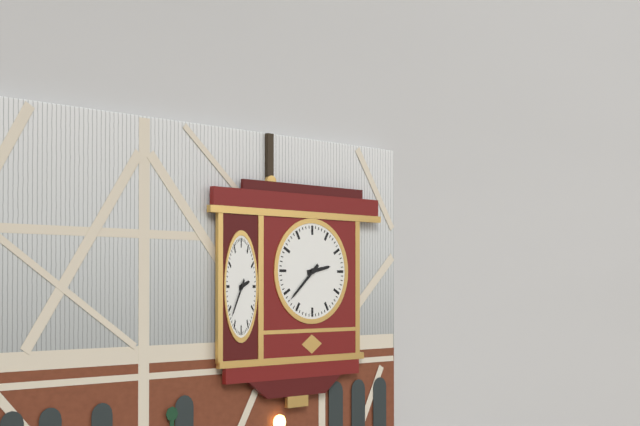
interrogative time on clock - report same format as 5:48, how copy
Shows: 2:38
